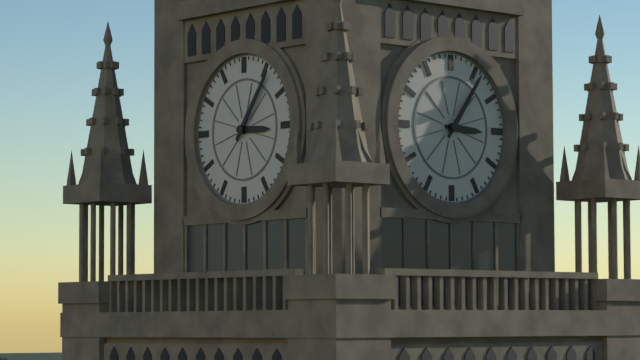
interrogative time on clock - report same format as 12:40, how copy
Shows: 3:06
